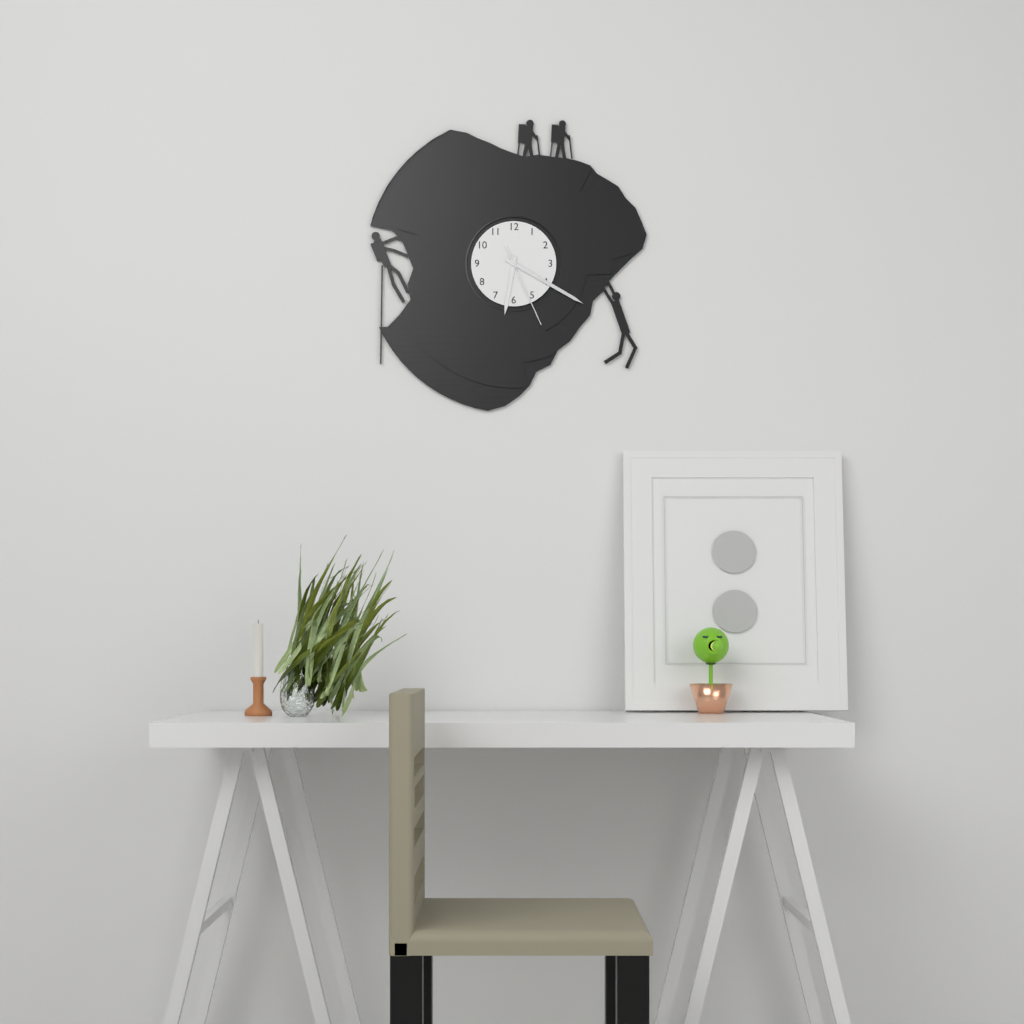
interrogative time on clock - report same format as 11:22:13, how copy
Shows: 6:20:26
